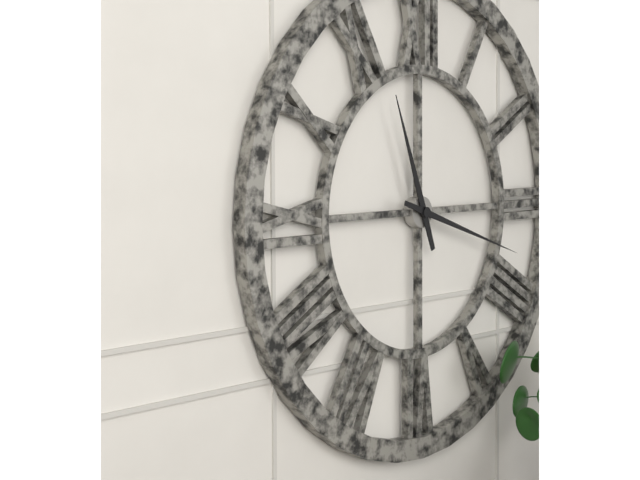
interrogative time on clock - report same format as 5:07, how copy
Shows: 11:18
